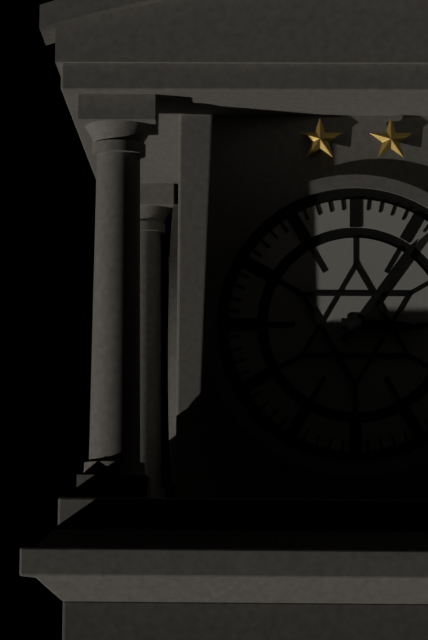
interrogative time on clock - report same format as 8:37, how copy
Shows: 3:06
